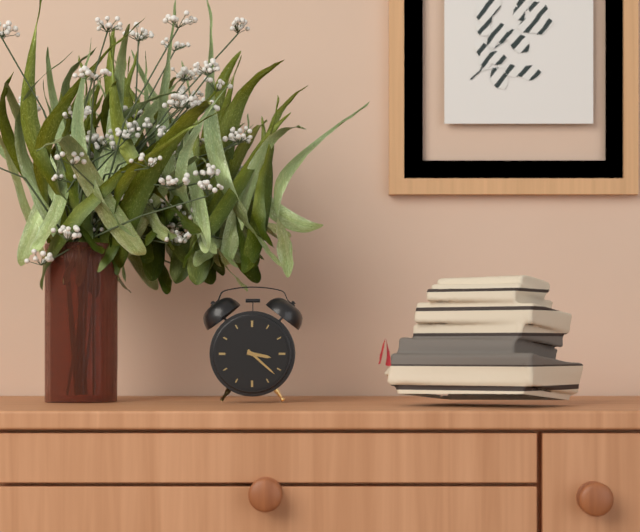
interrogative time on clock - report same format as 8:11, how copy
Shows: 3:22
